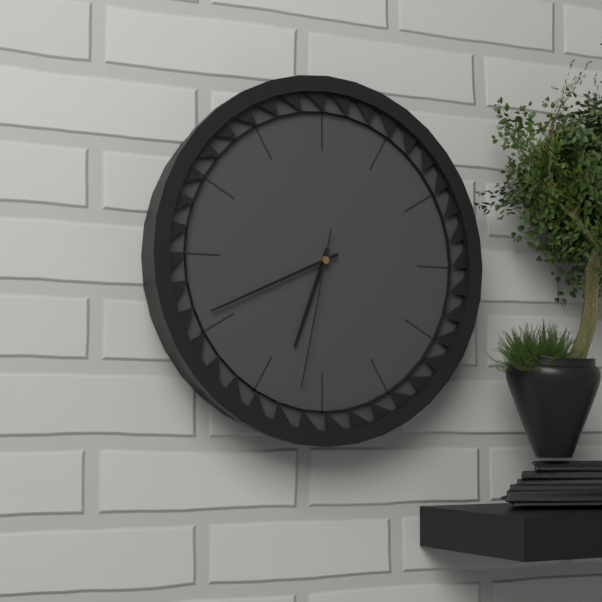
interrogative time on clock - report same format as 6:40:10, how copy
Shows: 6:41:32
